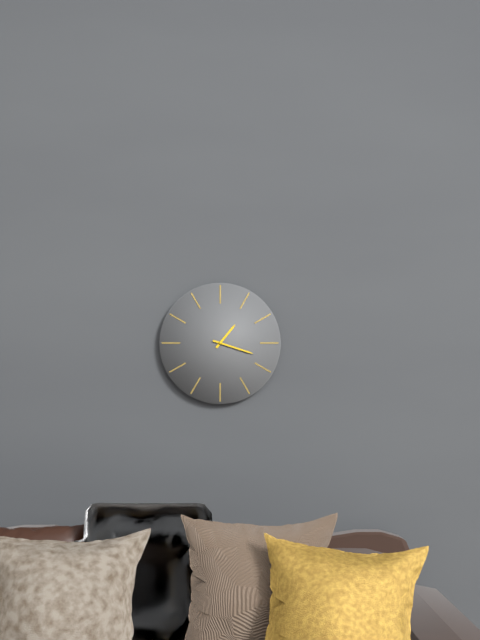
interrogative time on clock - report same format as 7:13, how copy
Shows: 1:18
